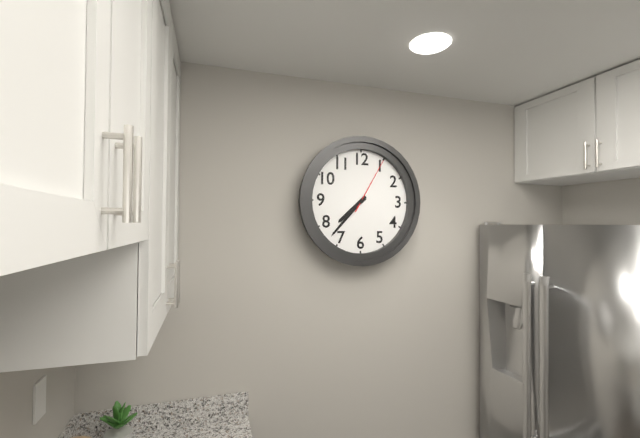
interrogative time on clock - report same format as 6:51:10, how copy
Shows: 7:37:05
